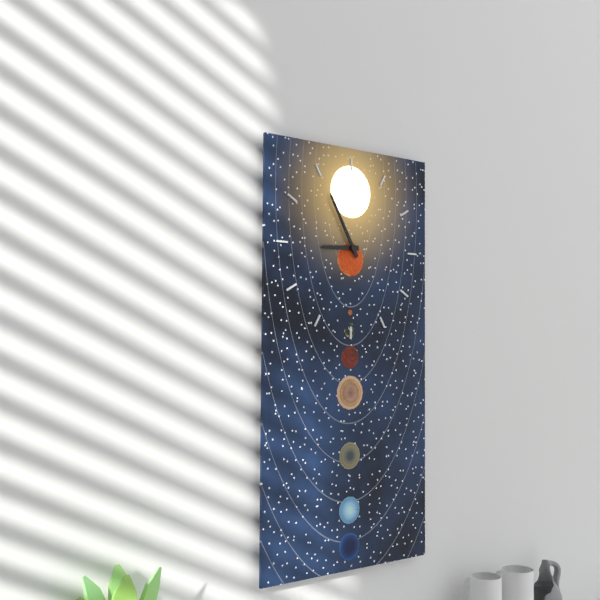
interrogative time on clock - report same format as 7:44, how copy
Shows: 8:55
